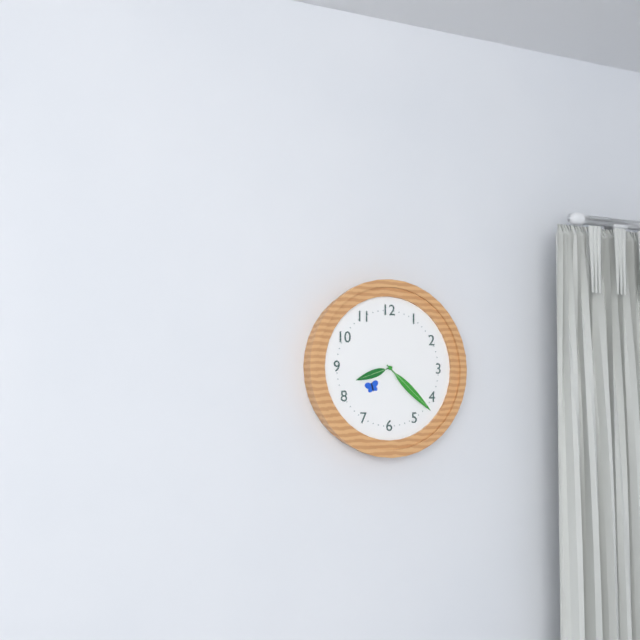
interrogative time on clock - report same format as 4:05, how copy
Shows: 8:22
